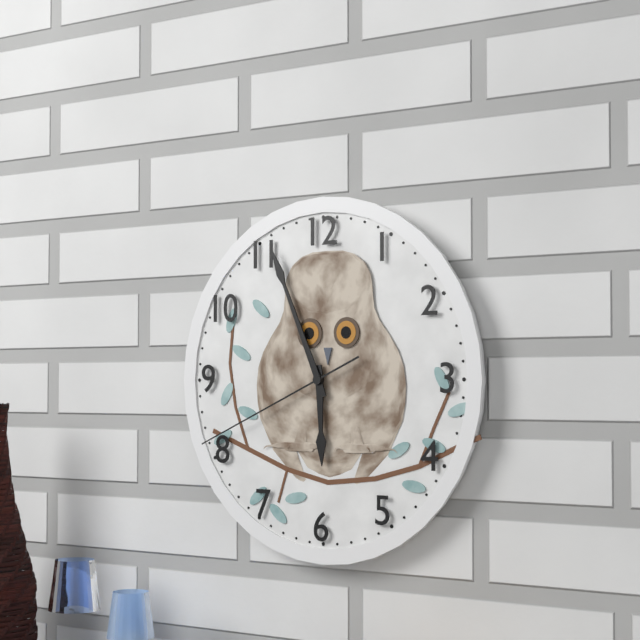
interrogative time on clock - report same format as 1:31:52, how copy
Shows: 5:56:41
